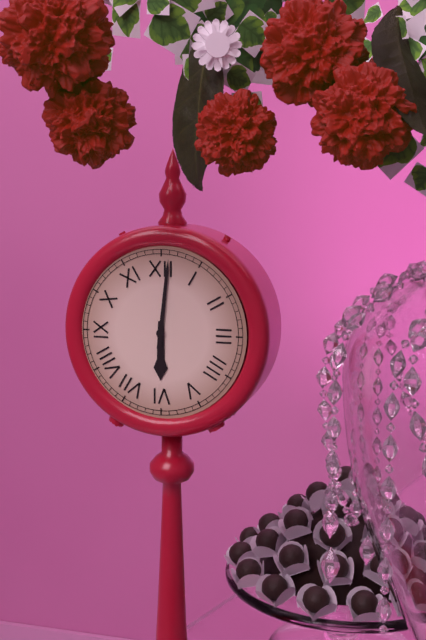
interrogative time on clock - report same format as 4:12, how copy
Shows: 6:01
